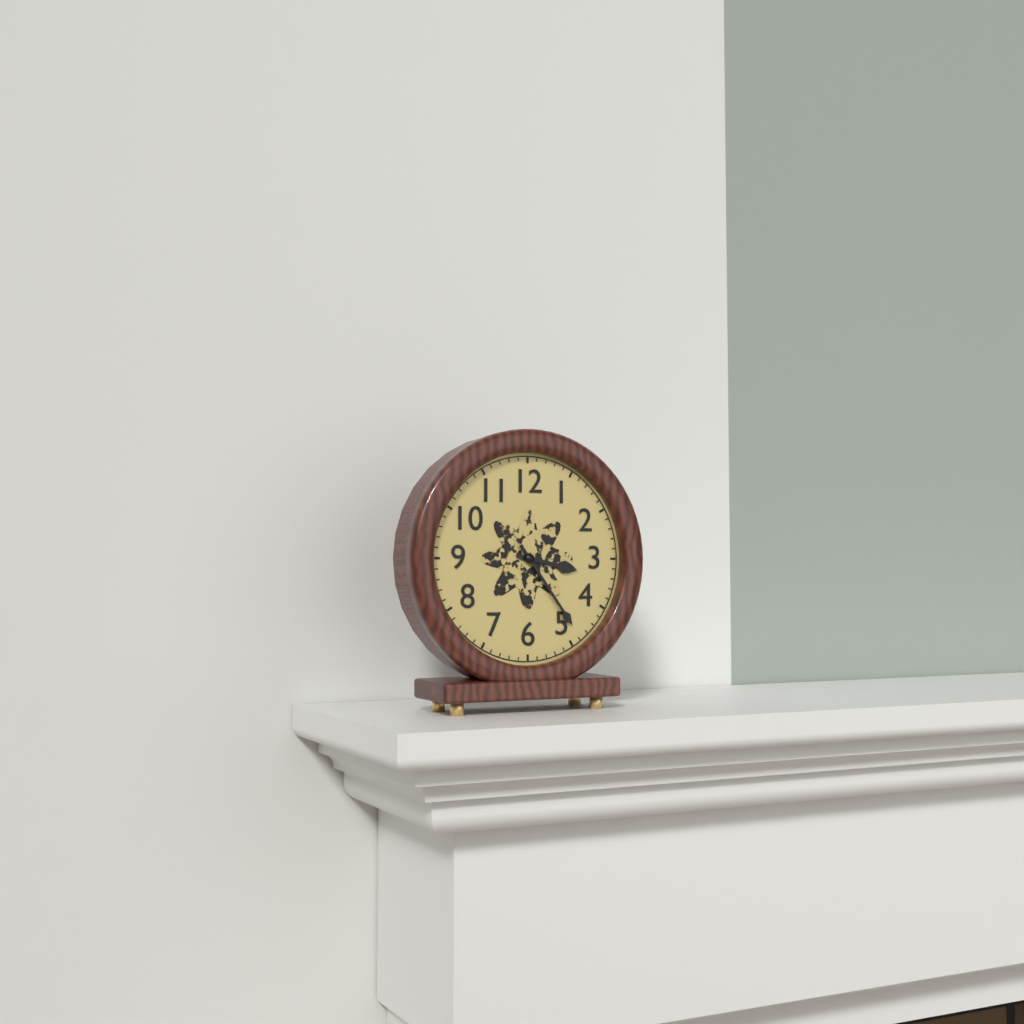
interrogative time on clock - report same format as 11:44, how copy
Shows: 3:24
